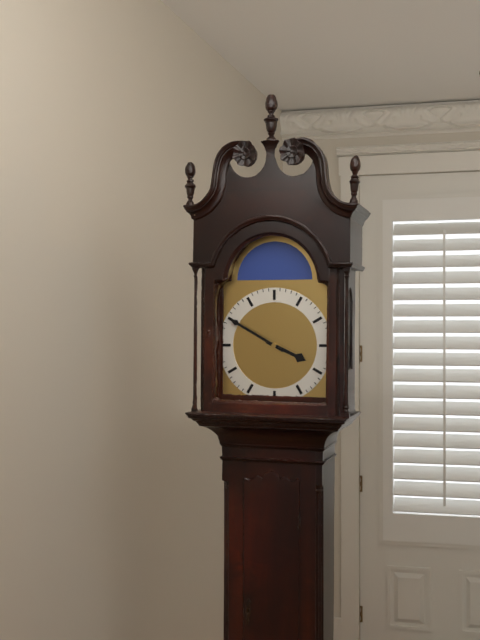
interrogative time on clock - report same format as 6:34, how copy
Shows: 3:50
